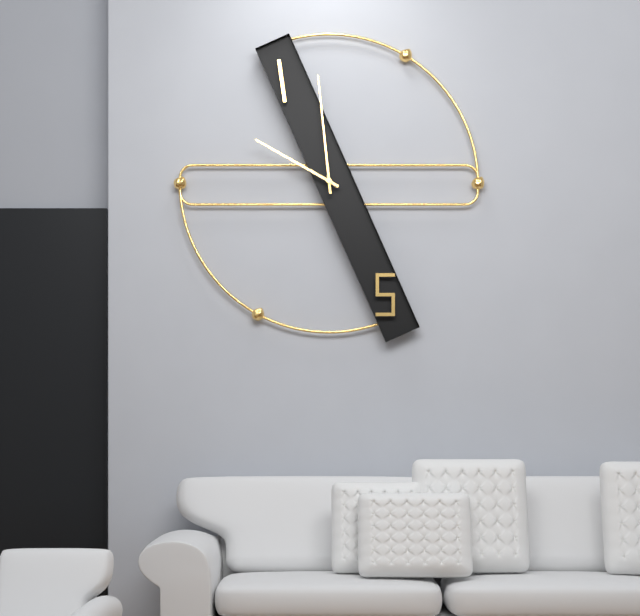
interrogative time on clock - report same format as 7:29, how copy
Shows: 9:59
